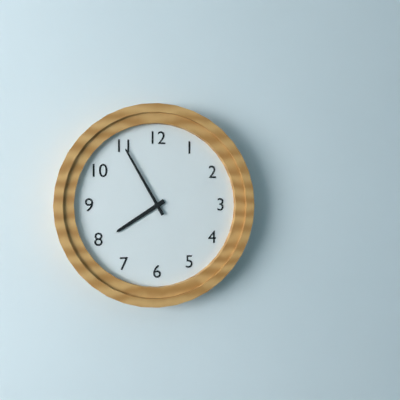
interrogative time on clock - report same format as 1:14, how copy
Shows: 7:55
